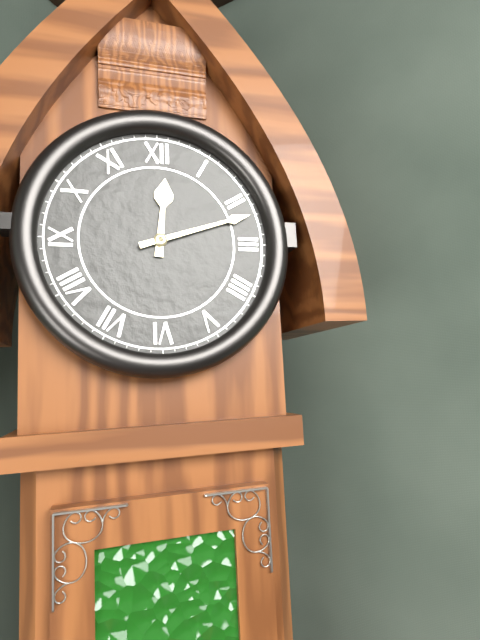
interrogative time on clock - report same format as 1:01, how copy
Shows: 12:12
